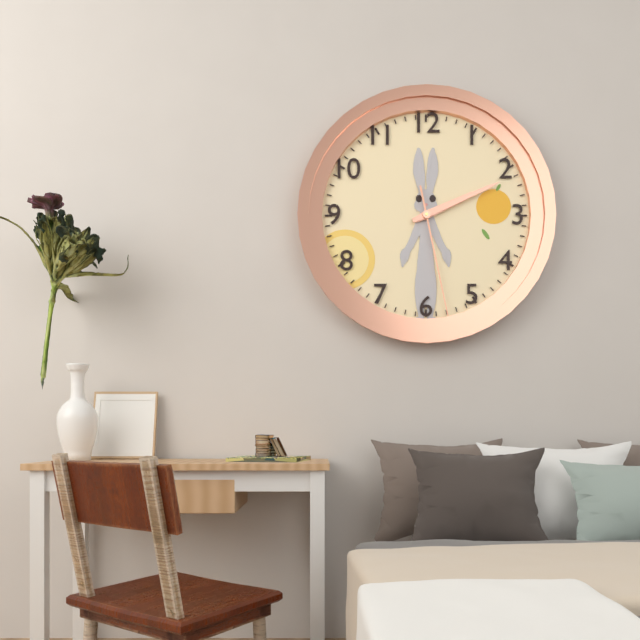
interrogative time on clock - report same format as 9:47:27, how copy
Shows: 2:11:28
